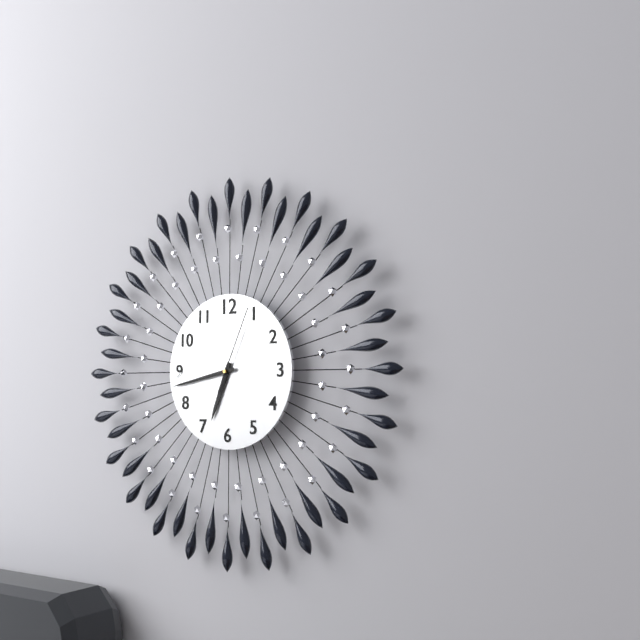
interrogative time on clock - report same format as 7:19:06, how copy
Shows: 6:43:04
